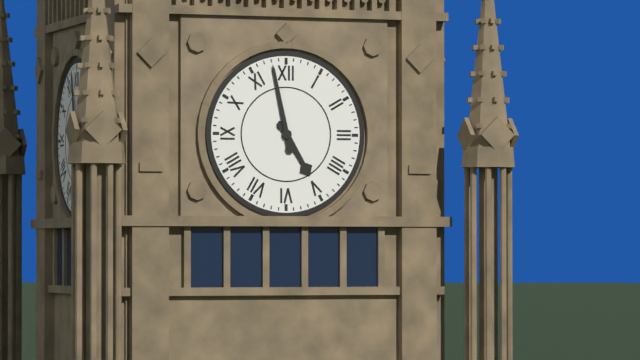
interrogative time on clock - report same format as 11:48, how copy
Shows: 4:58
